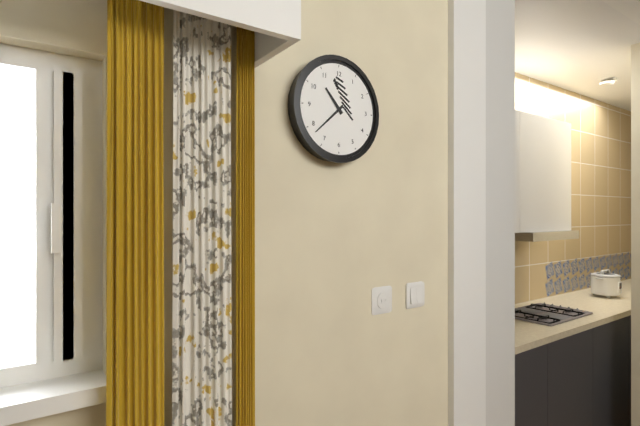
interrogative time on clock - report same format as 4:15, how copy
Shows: 10:38
